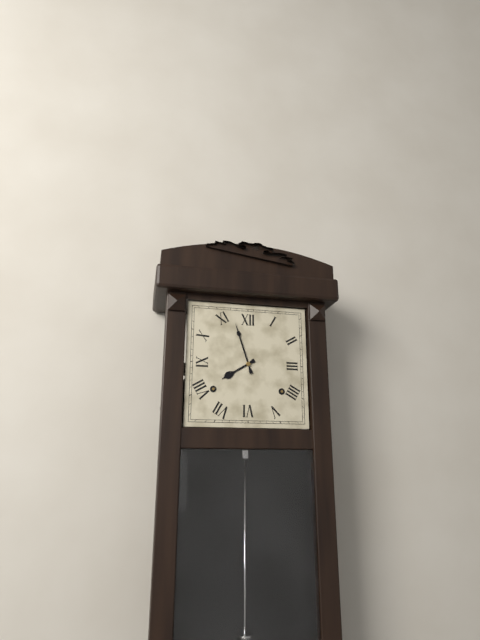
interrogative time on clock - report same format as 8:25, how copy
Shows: 7:57
